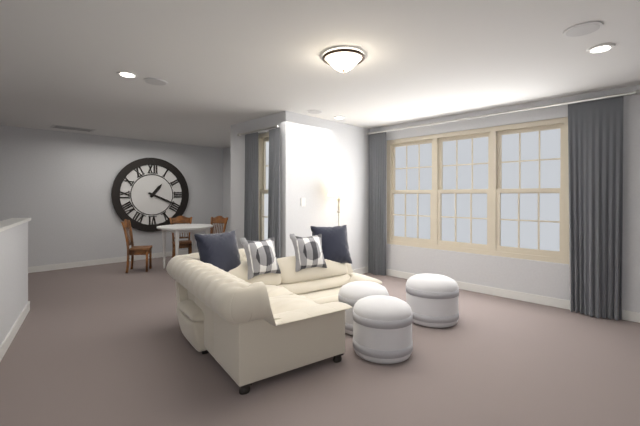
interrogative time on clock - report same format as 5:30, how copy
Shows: 1:19
